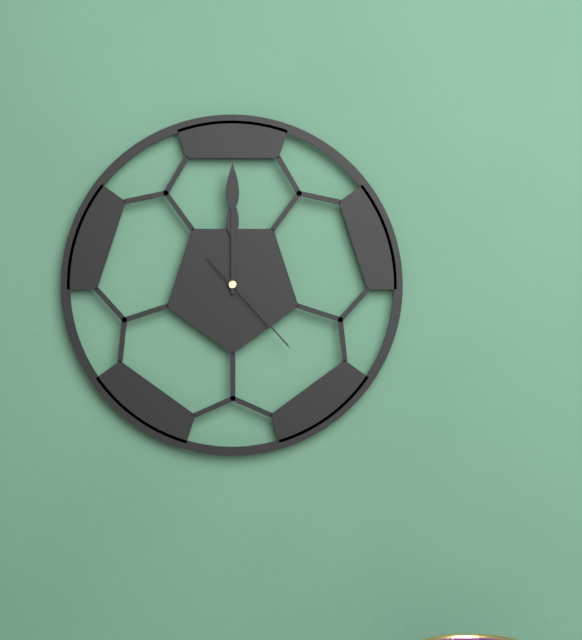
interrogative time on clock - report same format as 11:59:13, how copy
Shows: 12:00:23
